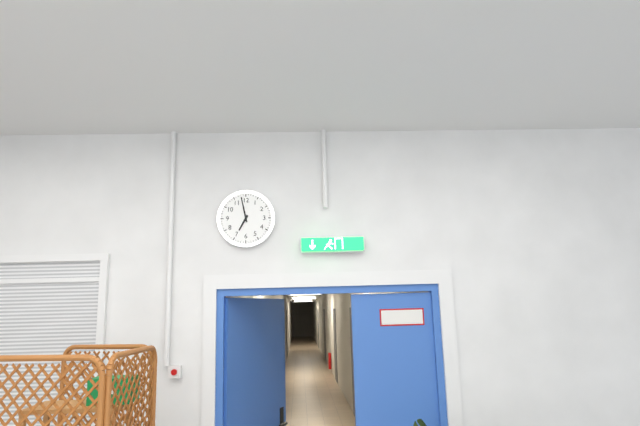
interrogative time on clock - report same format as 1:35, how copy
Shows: 6:58
